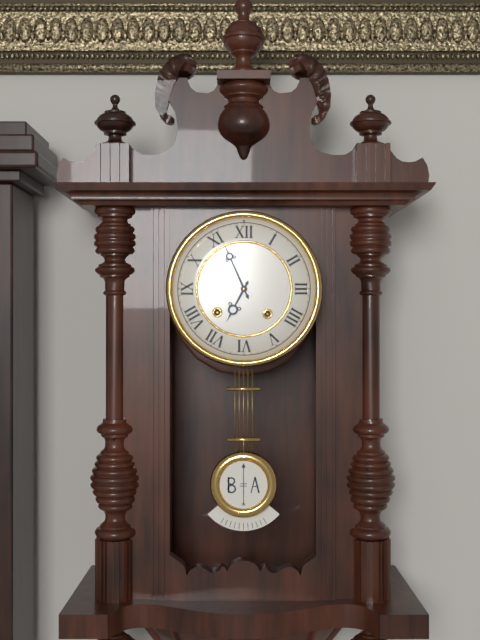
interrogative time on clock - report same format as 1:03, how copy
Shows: 6:56
